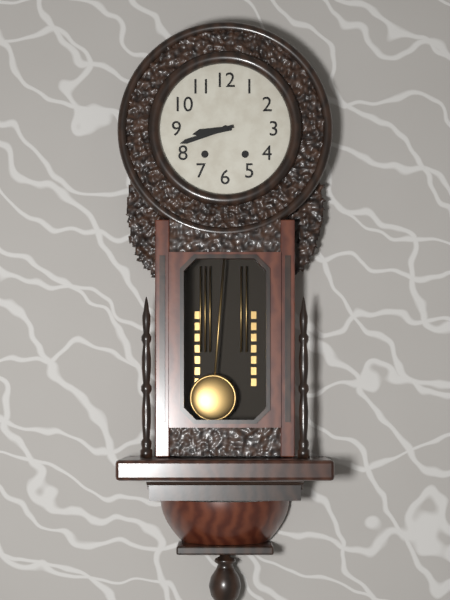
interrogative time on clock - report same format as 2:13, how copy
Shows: 8:42
